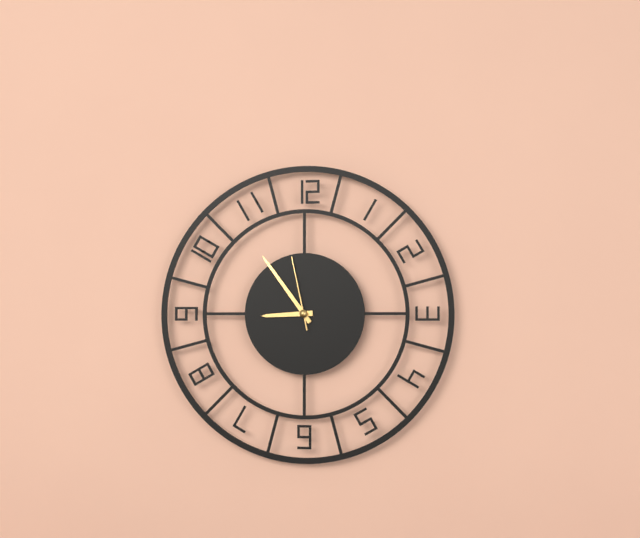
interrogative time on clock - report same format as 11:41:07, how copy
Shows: 8:54:58
